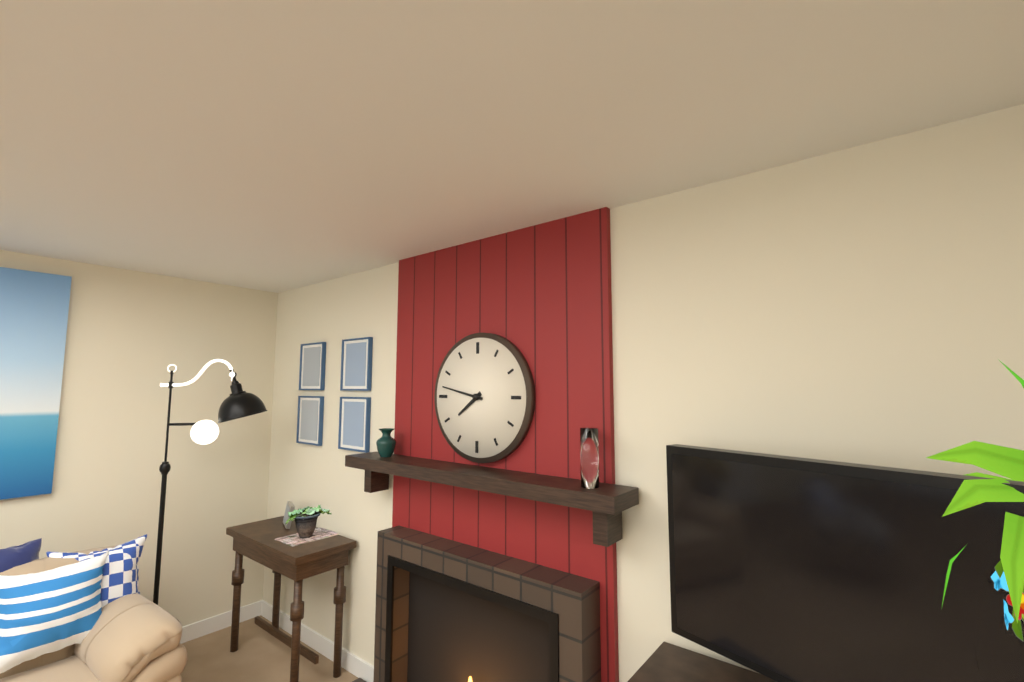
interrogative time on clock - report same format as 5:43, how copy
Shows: 7:47
